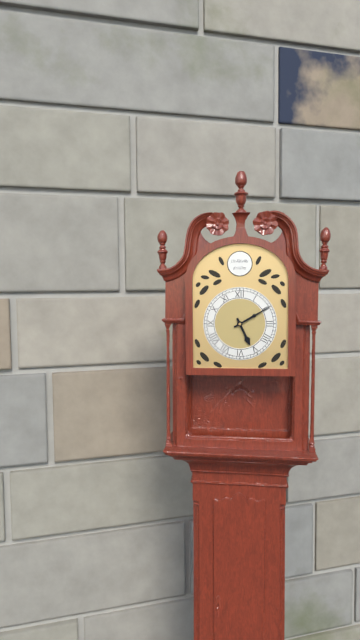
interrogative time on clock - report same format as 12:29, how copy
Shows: 5:10
